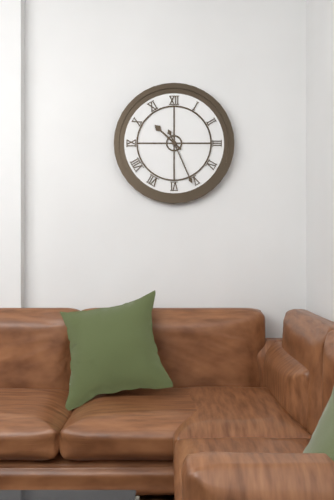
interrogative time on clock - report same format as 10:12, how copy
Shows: 10:26
